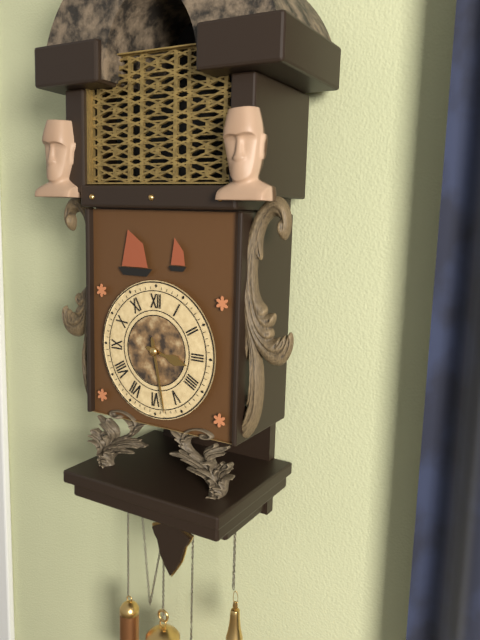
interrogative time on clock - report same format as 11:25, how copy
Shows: 3:28
